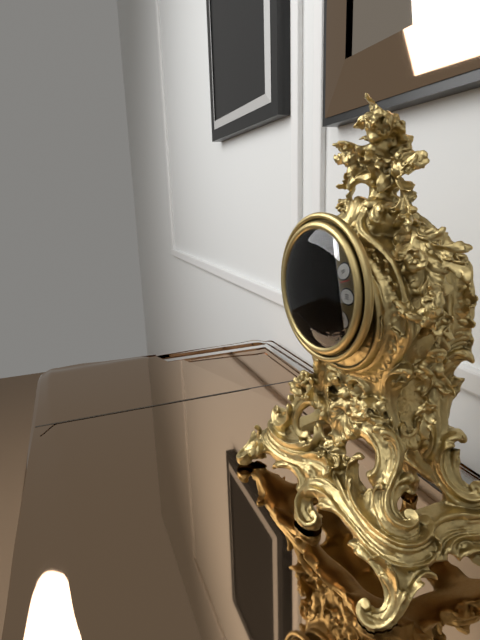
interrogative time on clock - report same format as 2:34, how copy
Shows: 10:45
